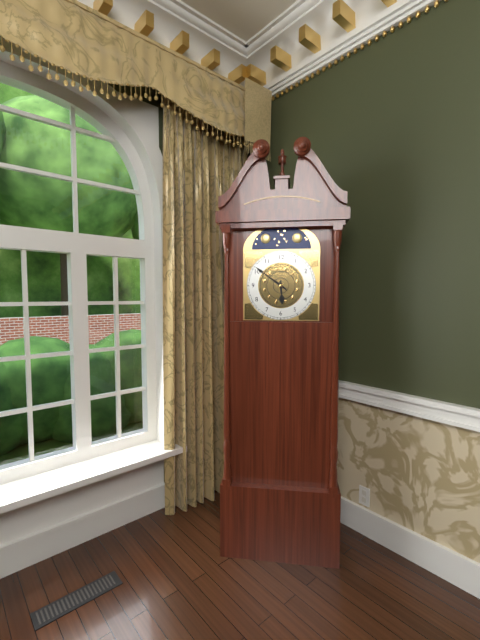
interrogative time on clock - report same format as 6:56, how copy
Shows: 5:51
